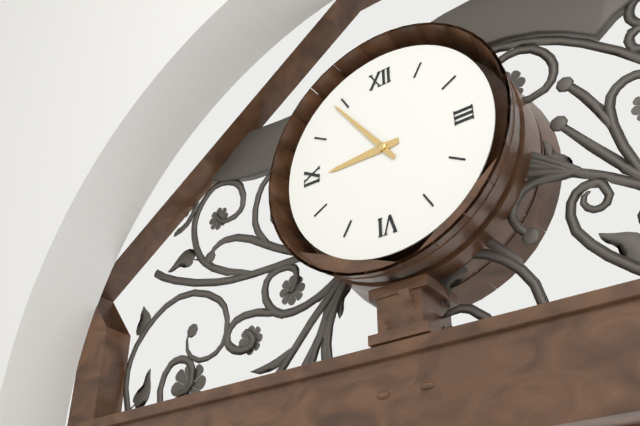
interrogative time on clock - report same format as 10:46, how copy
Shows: 8:54
